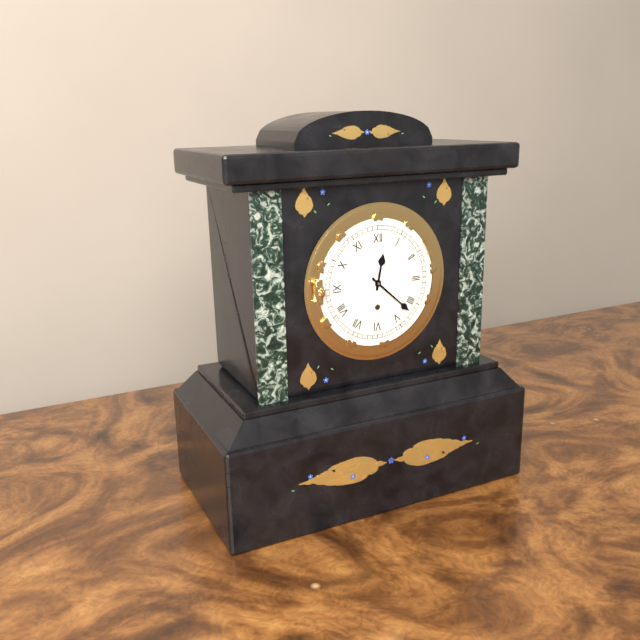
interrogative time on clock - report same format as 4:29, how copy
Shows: 12:22
